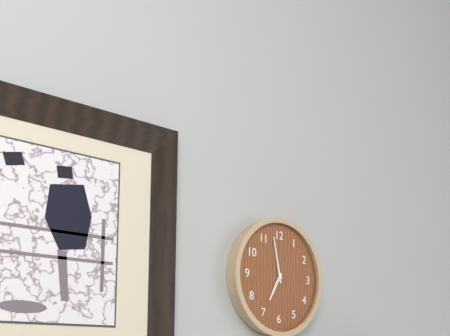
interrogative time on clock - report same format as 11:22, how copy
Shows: 6:58
